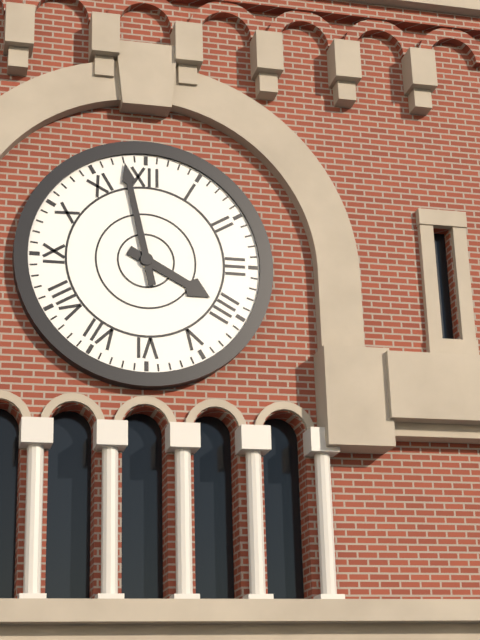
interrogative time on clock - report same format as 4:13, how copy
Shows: 3:58
